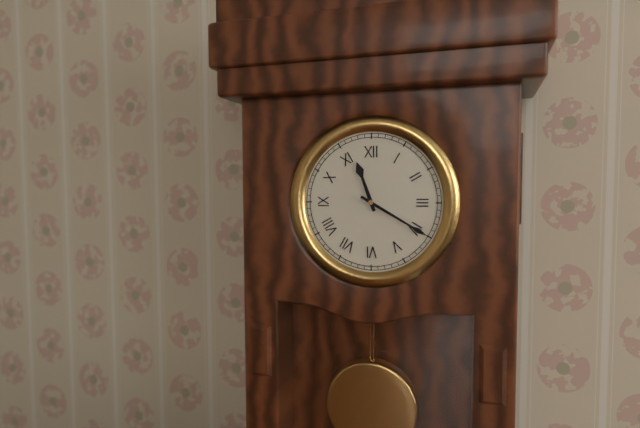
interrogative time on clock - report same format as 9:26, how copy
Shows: 11:20
